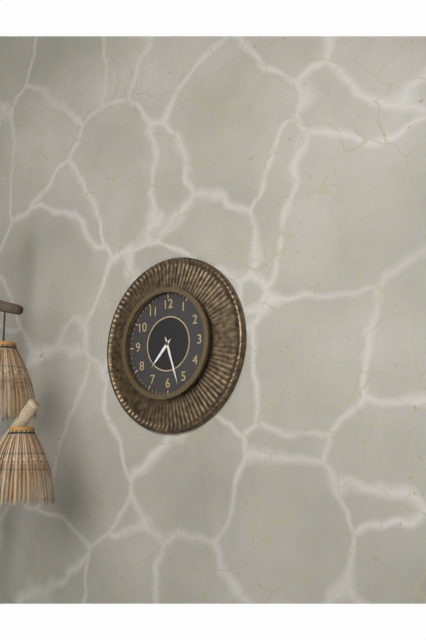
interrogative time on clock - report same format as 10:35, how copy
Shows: 7:27
